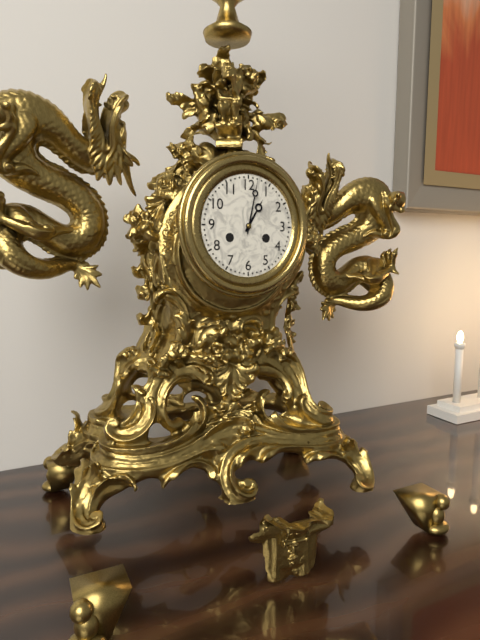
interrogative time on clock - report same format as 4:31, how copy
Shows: 1:02
